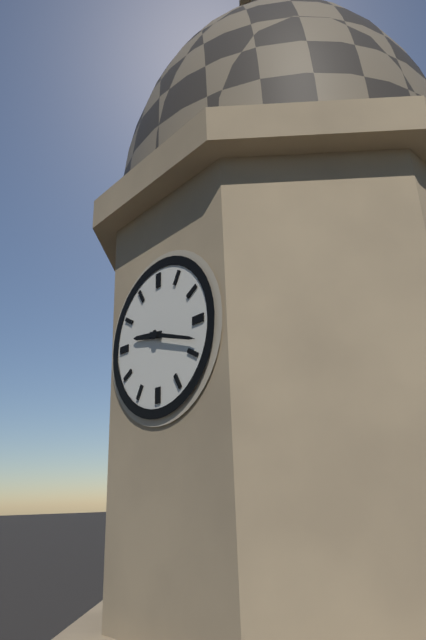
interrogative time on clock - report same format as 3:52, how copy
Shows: 9:18
